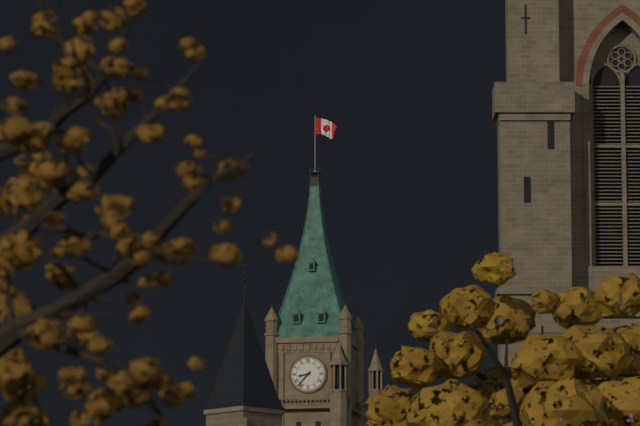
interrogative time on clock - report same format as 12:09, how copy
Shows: 8:37
